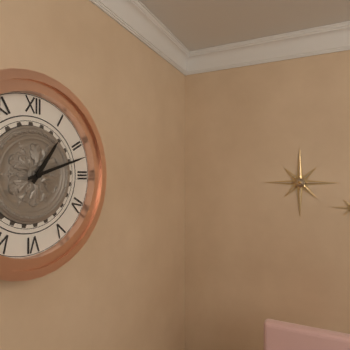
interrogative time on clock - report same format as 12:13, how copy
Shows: 1:12
